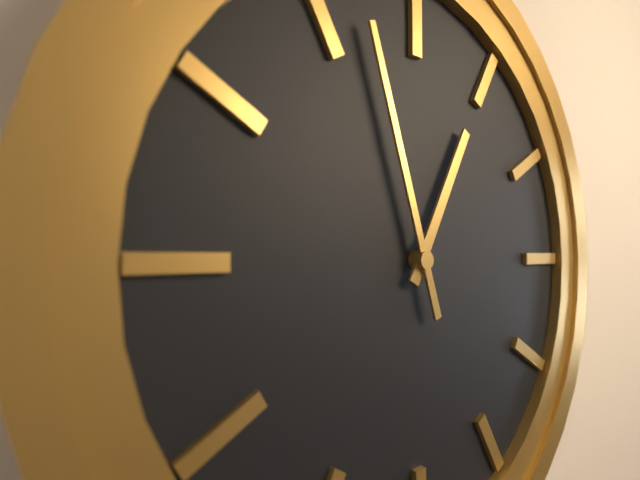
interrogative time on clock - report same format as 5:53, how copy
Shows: 12:57
